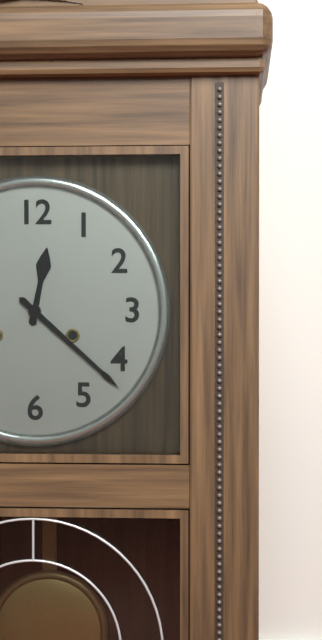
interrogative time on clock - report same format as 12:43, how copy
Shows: 12:22
